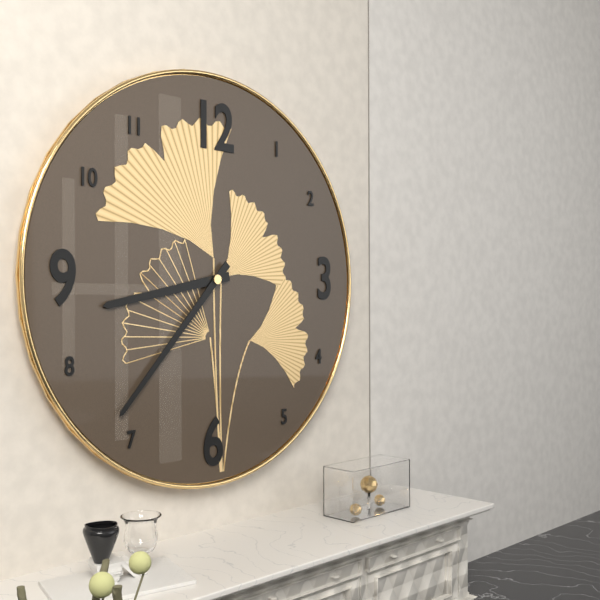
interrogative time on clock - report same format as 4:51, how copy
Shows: 8:37
